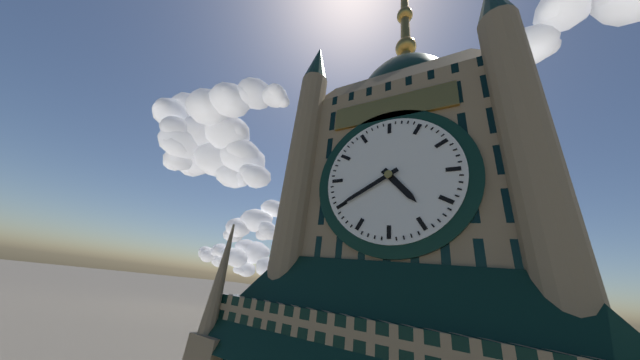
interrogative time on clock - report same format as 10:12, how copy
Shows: 4:40
